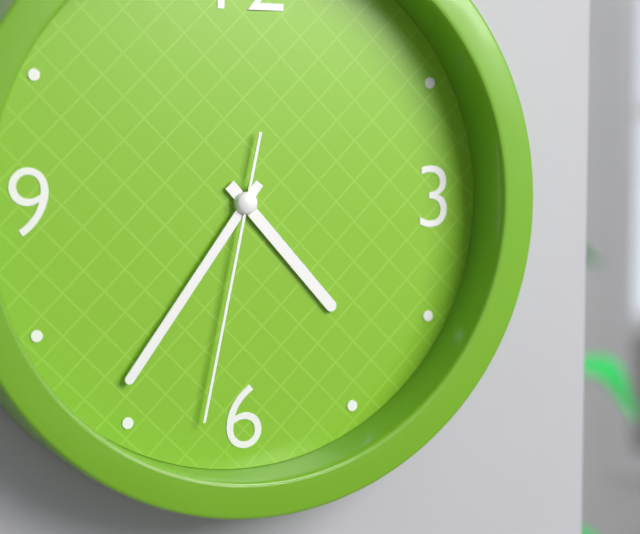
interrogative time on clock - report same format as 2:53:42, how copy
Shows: 4:36:32
